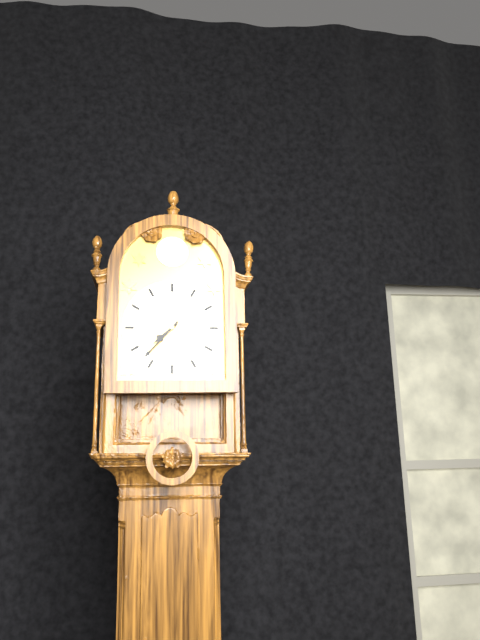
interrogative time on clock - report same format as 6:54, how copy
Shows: 7:37
